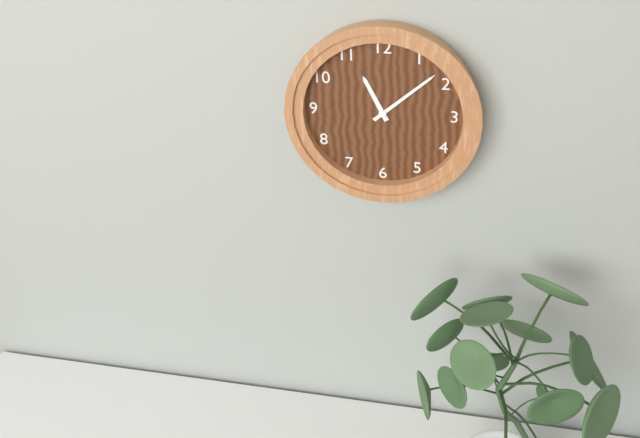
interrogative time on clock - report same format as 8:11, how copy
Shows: 11:08
